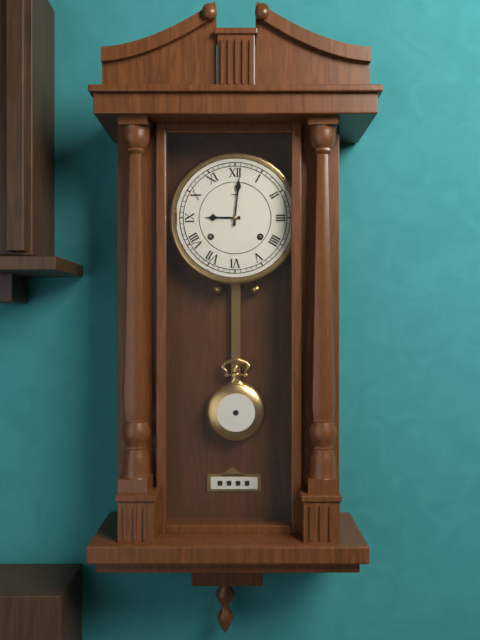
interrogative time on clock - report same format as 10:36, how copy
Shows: 9:01
